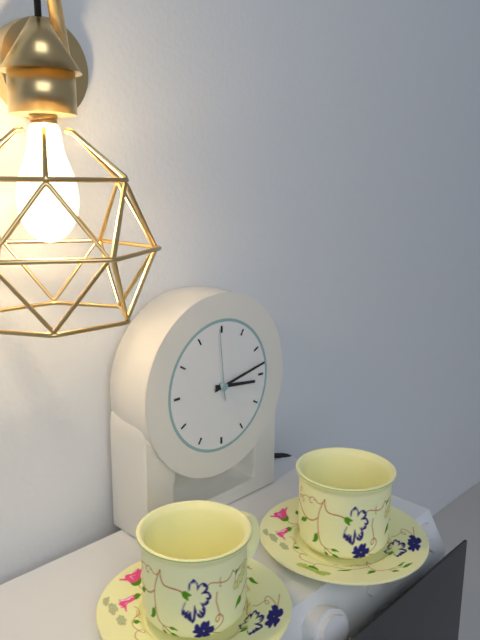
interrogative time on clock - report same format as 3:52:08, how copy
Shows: 3:13:59
